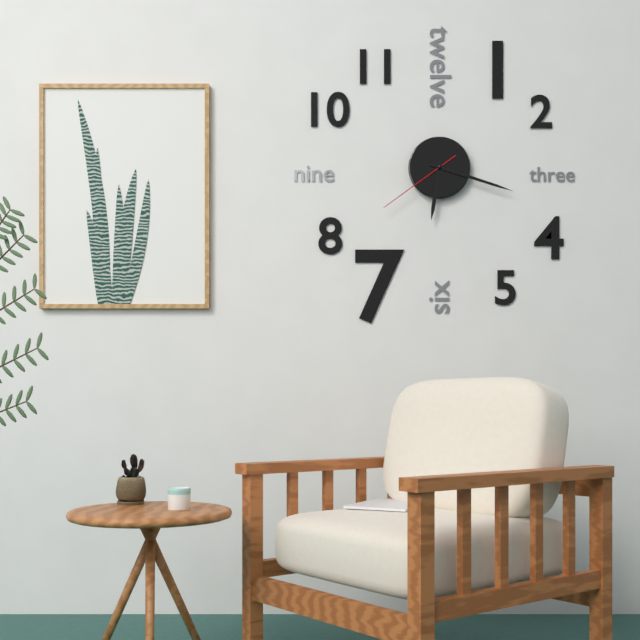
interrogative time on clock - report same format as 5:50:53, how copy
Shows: 6:18:39
